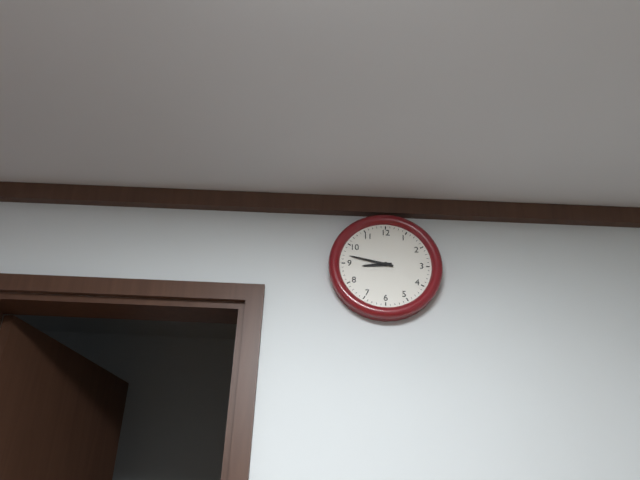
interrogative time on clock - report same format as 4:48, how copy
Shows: 8:47
